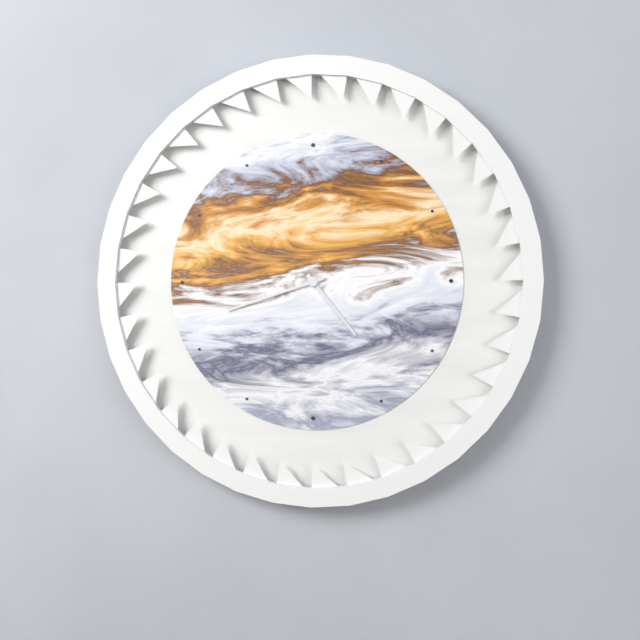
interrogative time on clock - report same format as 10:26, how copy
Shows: 4:42
